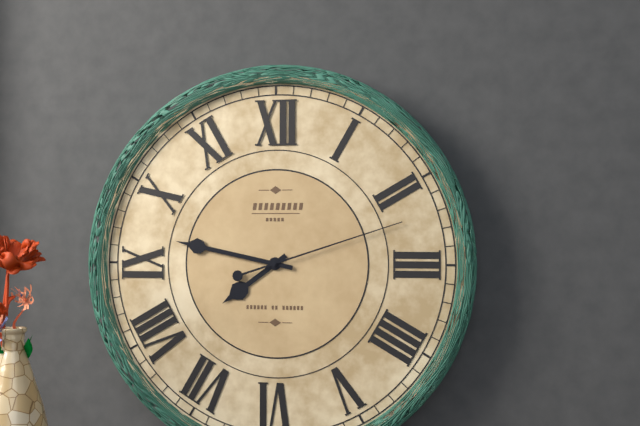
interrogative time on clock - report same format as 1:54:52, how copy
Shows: 7:47:12
